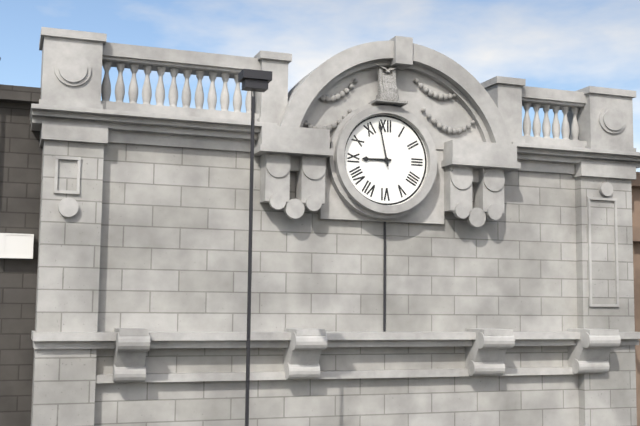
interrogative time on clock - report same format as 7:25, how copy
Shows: 8:58
